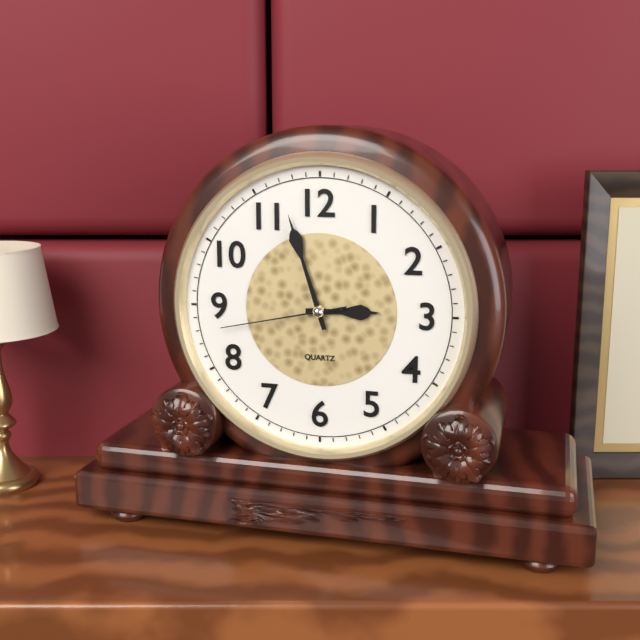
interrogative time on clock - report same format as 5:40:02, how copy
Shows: 2:57:43
